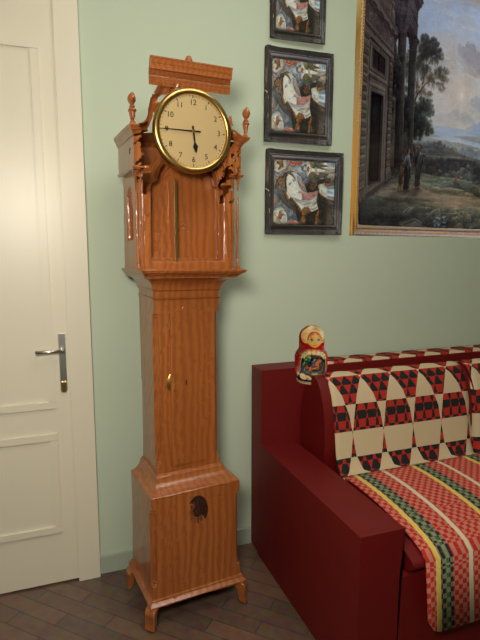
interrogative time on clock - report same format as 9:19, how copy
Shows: 5:45
